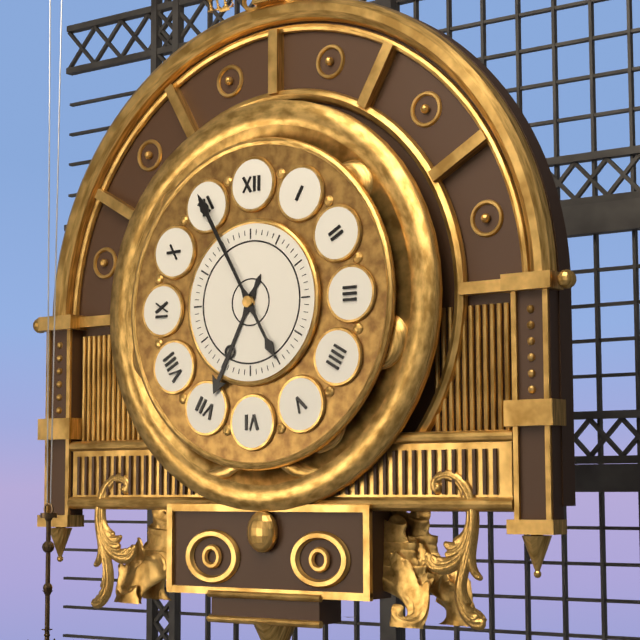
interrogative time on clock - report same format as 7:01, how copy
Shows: 6:55
